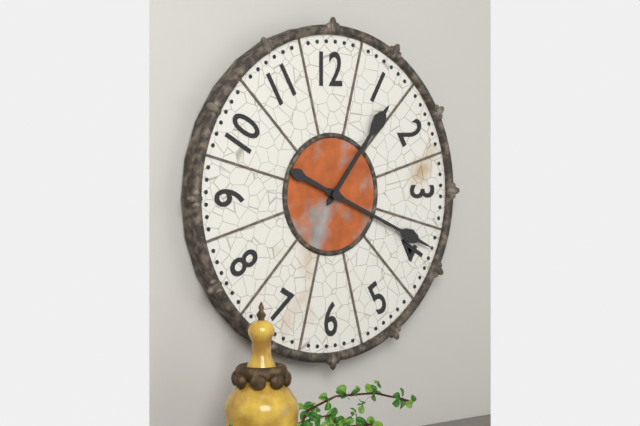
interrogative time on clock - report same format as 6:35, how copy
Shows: 1:19
